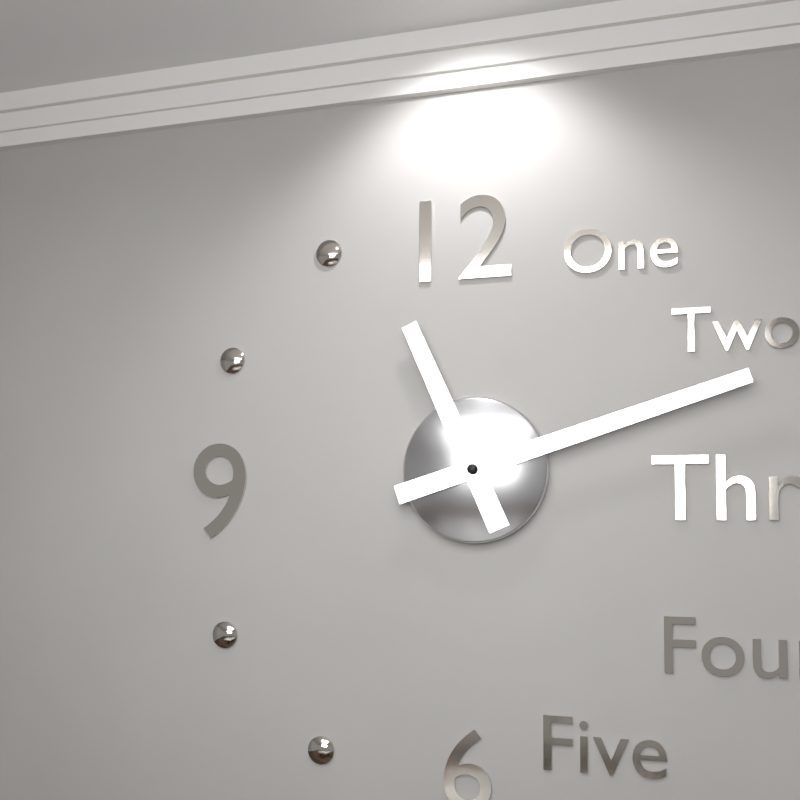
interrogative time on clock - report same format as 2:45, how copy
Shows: 11:12
